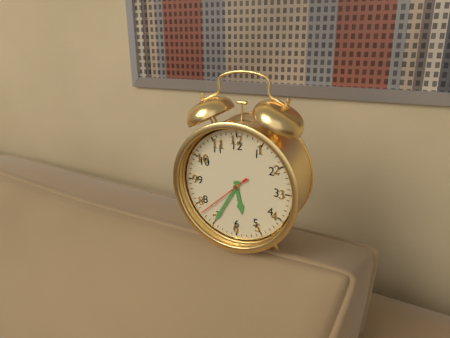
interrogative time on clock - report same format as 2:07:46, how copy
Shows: 5:35:38
